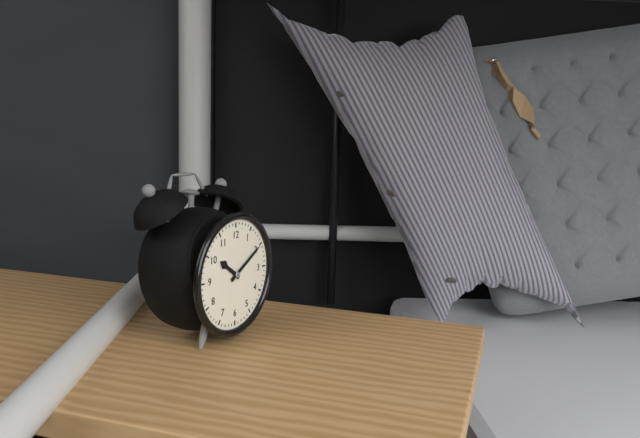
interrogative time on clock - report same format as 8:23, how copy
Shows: 10:10
